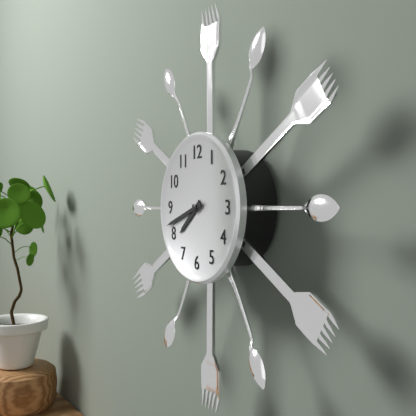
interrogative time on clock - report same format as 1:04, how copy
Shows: 7:42
